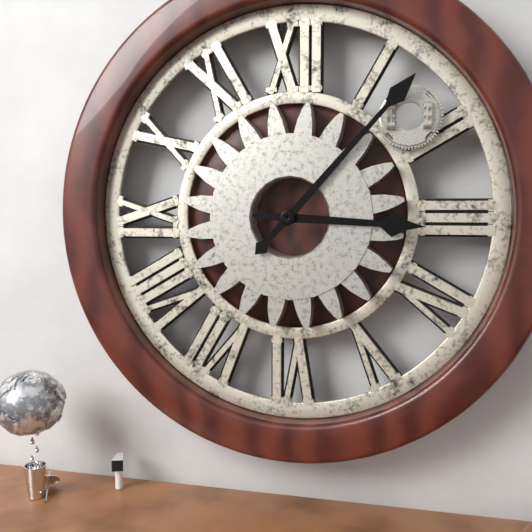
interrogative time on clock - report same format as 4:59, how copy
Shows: 3:07
